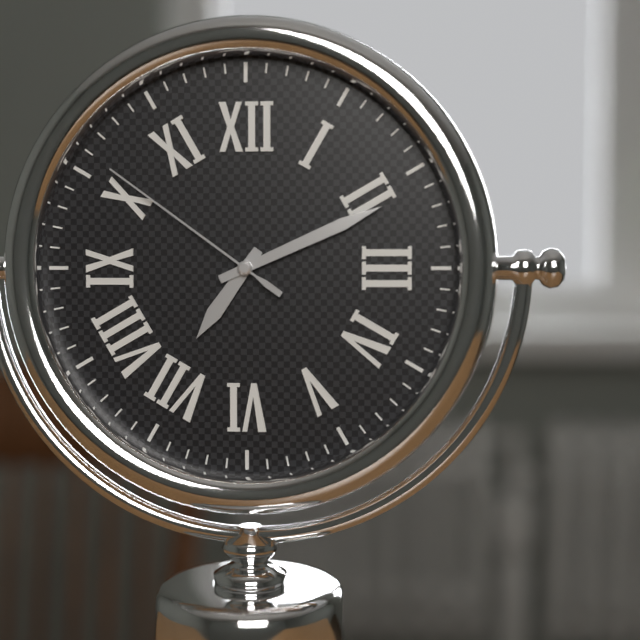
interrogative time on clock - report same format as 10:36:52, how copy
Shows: 7:11:51
